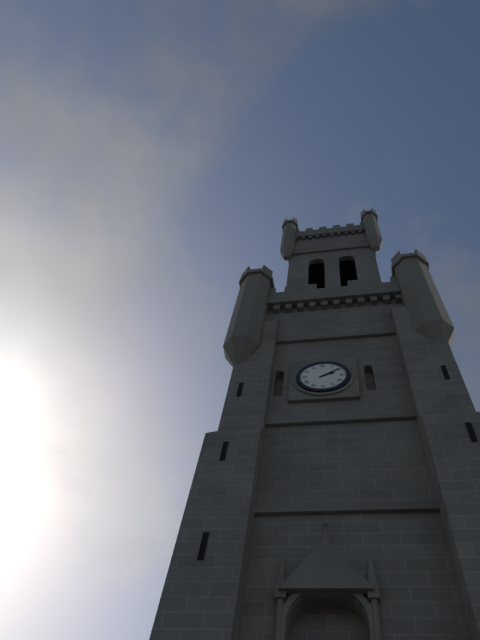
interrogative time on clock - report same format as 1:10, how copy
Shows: 2:09
